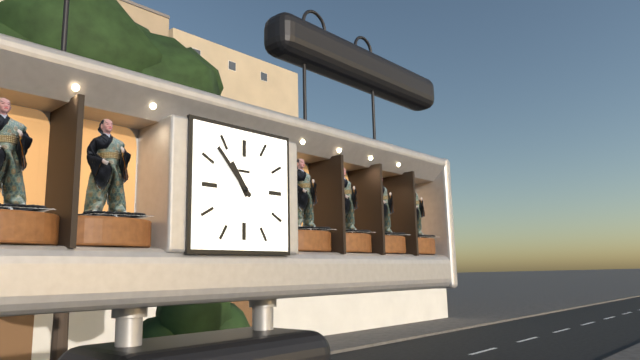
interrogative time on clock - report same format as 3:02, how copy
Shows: 10:53
